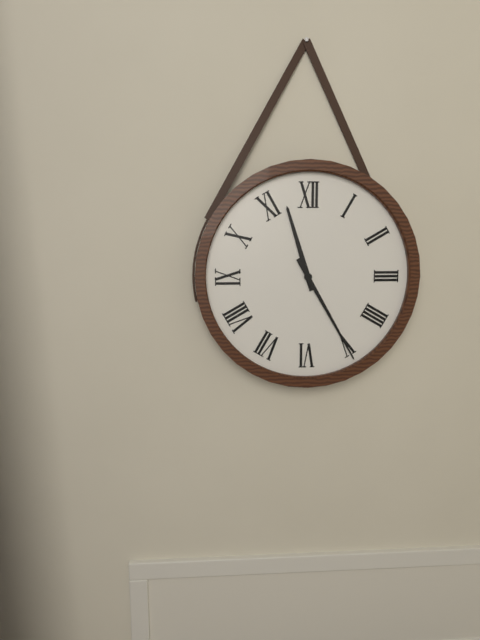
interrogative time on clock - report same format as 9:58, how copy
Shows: 11:25
